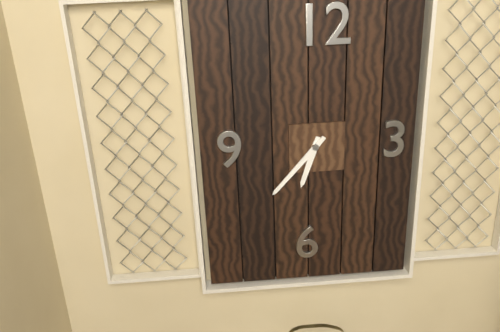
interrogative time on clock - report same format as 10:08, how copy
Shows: 6:37
